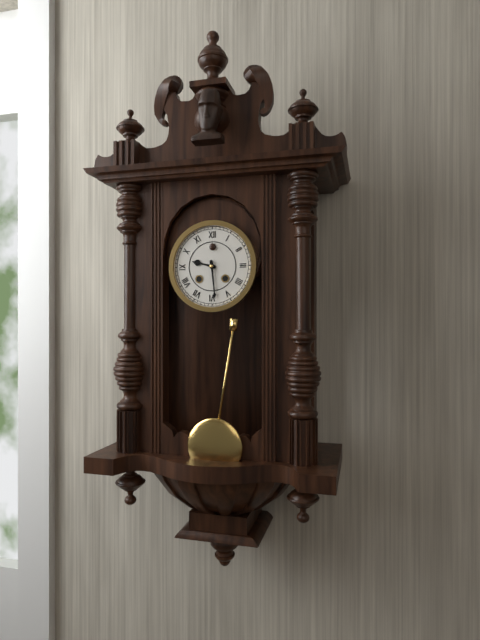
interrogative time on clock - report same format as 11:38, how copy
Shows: 9:29
